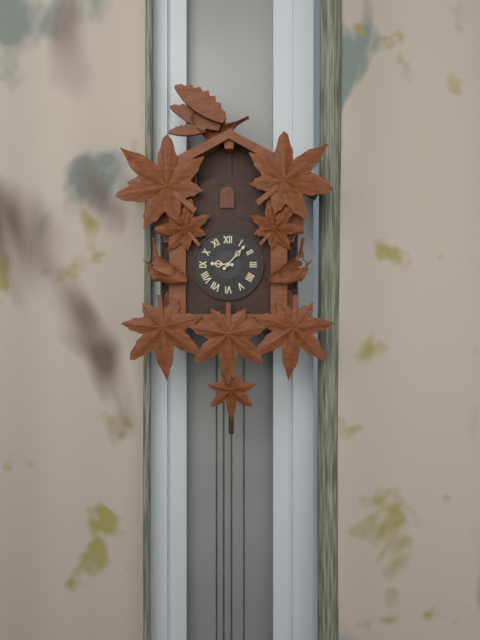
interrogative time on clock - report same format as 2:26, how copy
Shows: 9:07
